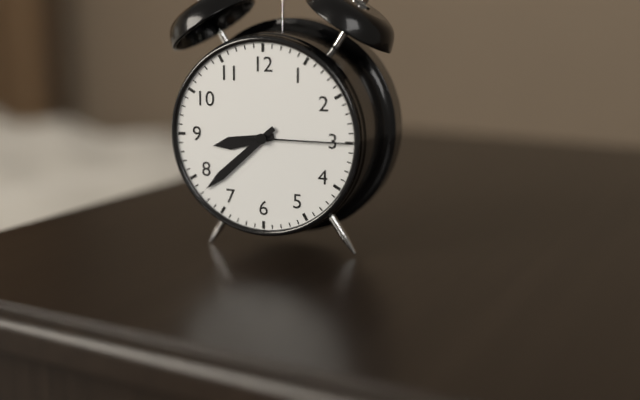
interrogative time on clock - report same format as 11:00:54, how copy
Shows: 8:38:15
